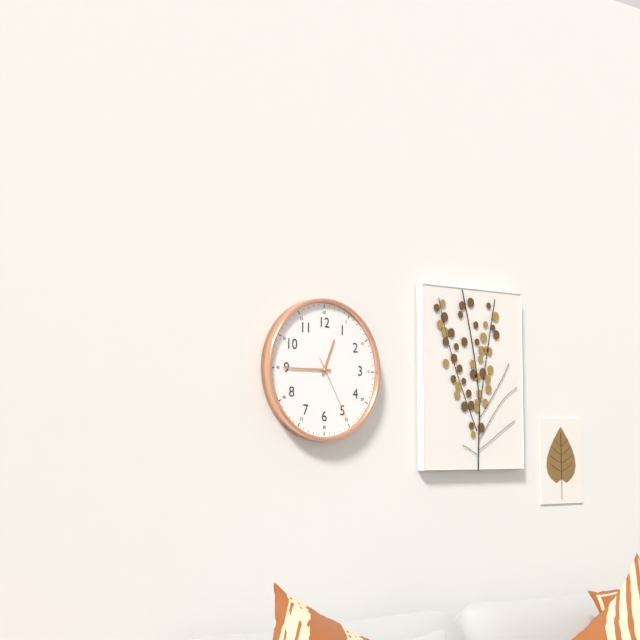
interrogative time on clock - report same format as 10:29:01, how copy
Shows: 12:45:25
